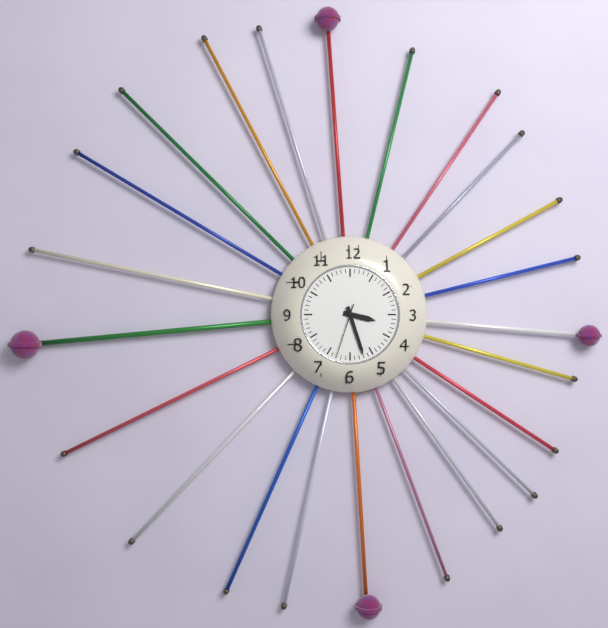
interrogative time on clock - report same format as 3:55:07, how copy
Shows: 3:27:33
